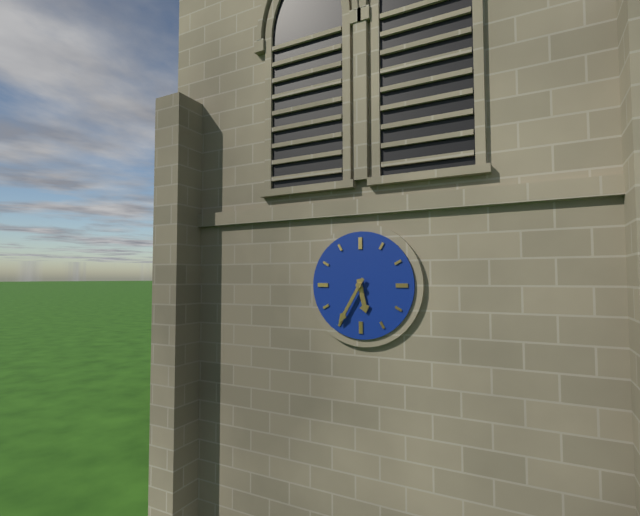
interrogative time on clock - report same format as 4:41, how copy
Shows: 5:35
